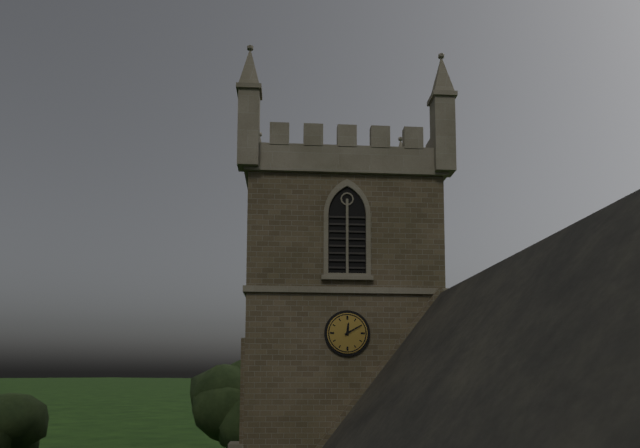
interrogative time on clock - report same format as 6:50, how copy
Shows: 12:10
